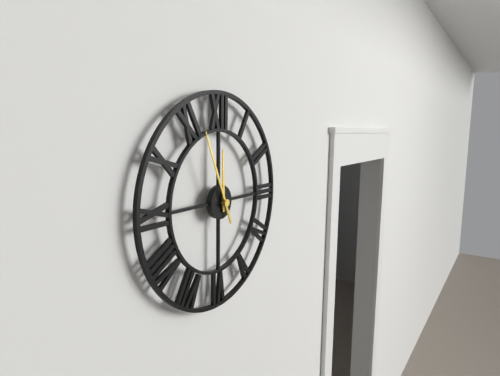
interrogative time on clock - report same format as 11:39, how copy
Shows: 11:56
